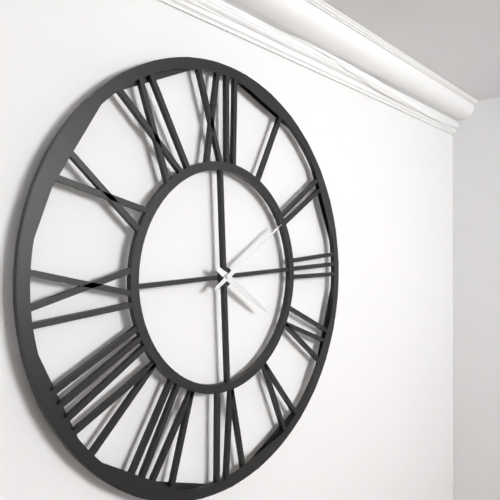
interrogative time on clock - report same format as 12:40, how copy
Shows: 4:10
